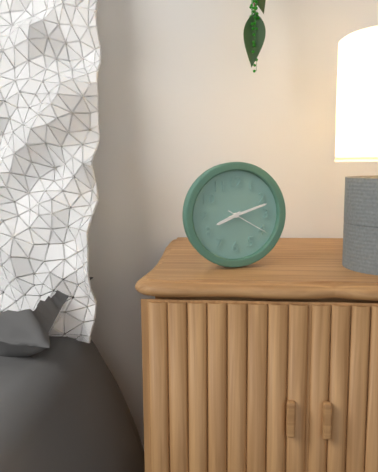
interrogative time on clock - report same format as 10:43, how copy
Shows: 8:12
